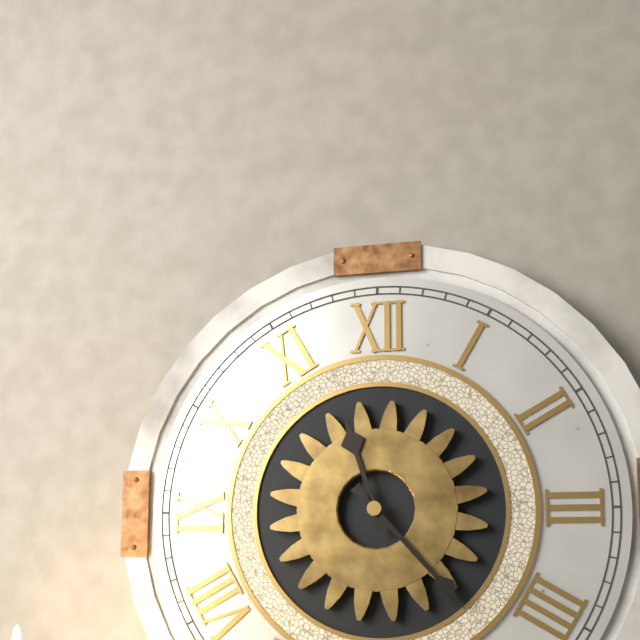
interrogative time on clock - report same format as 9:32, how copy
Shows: 11:23
